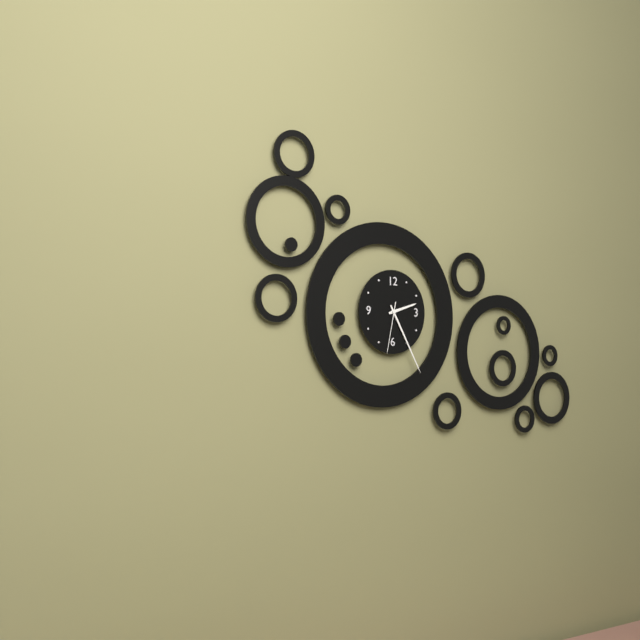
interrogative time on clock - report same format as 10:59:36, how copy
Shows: 2:25:32
